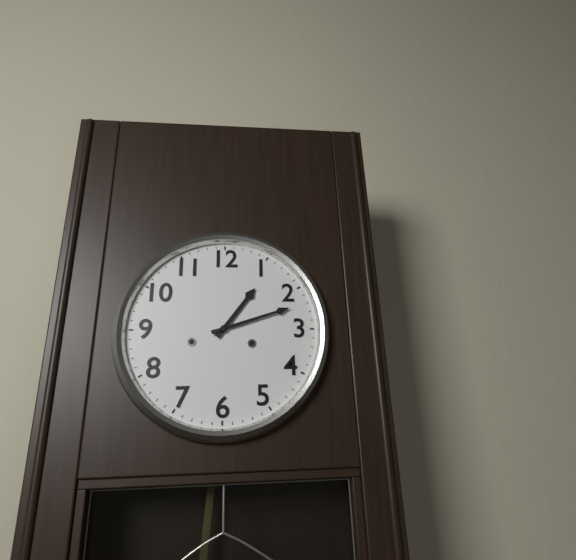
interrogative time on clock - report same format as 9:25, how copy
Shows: 1:12
